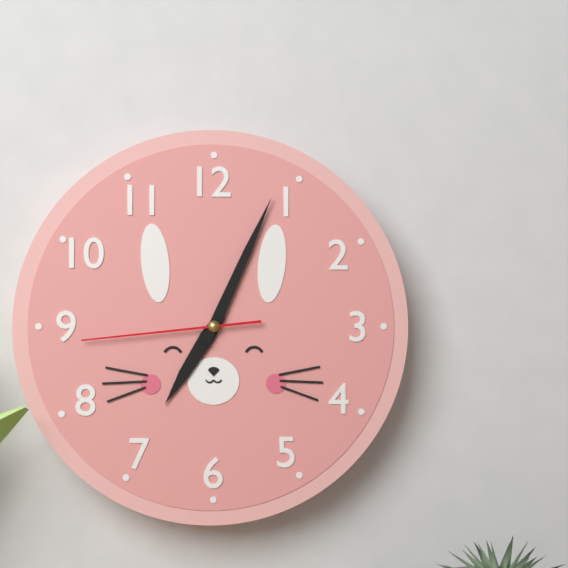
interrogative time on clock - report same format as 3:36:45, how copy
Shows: 7:04:44
